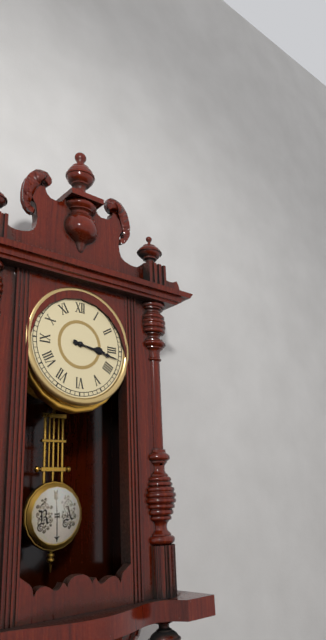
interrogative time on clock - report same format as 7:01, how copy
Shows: 3:17
